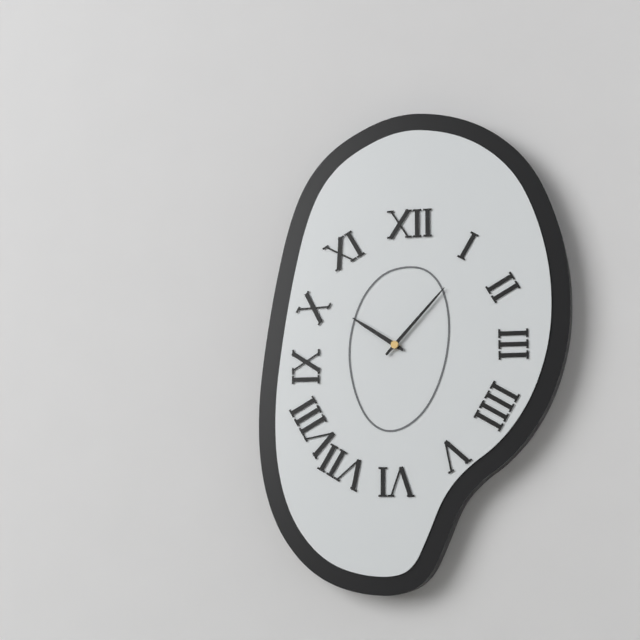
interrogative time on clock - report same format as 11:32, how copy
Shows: 10:07
